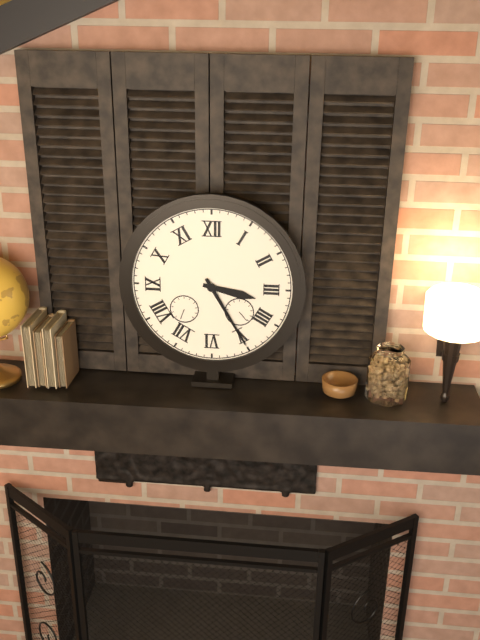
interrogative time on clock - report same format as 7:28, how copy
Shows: 3:25
